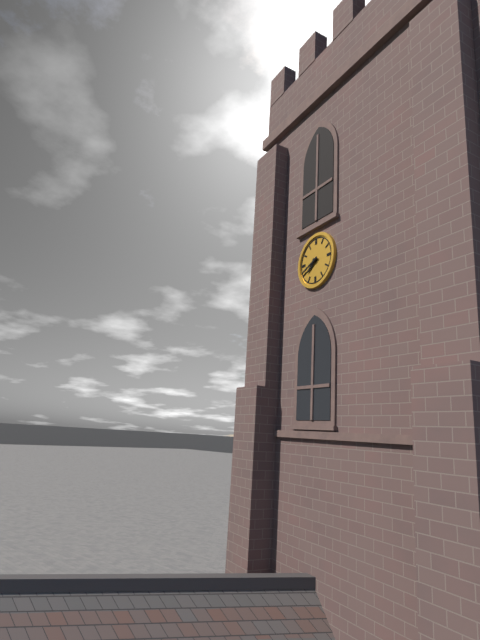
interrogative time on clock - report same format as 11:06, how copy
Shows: 7:41
